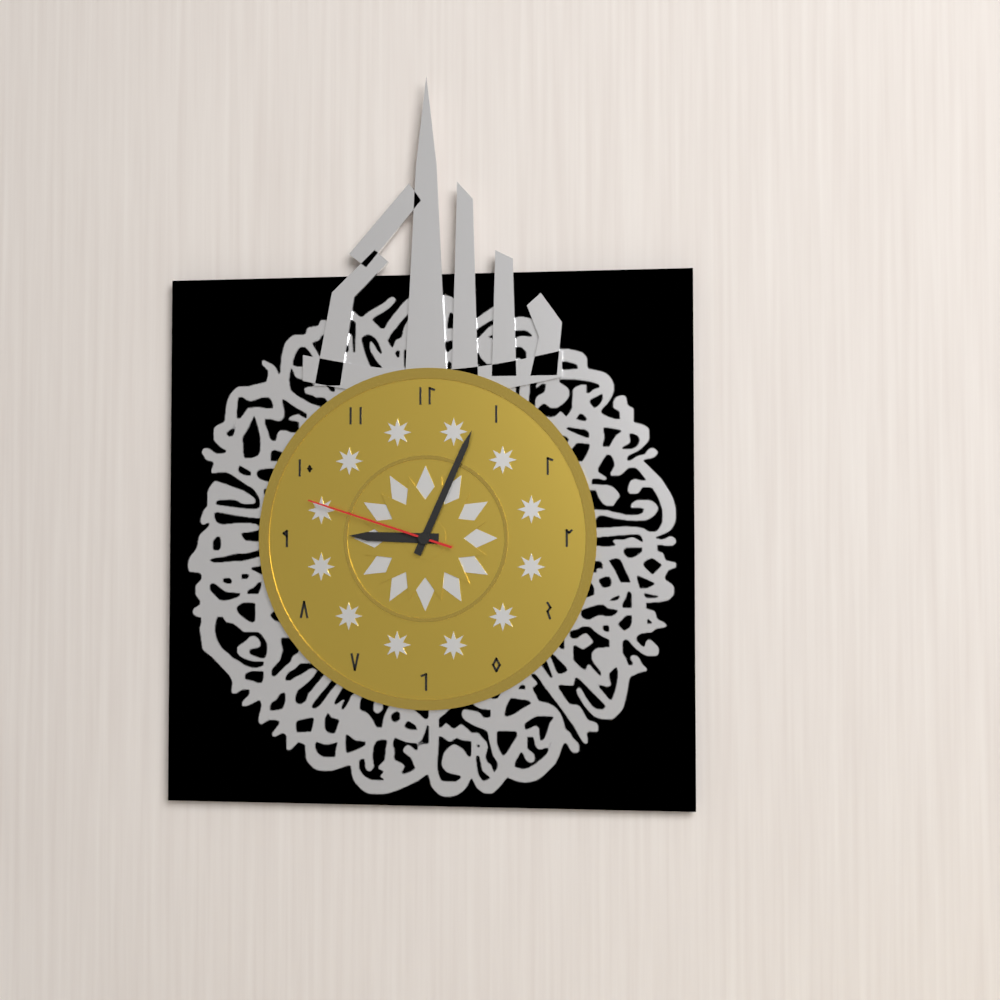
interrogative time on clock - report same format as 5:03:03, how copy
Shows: 9:04:48
